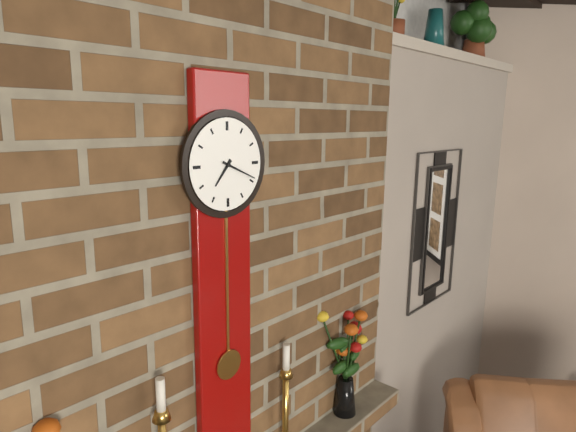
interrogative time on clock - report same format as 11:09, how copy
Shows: 7:19
